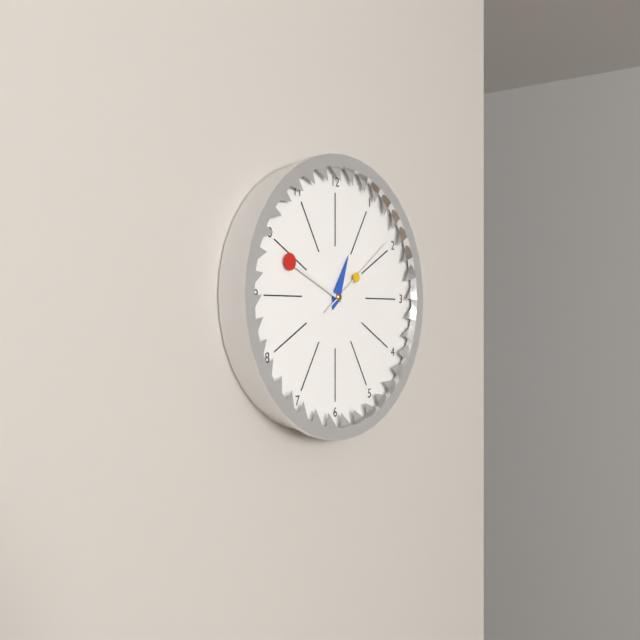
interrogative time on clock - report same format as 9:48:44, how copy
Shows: 12:49:09
